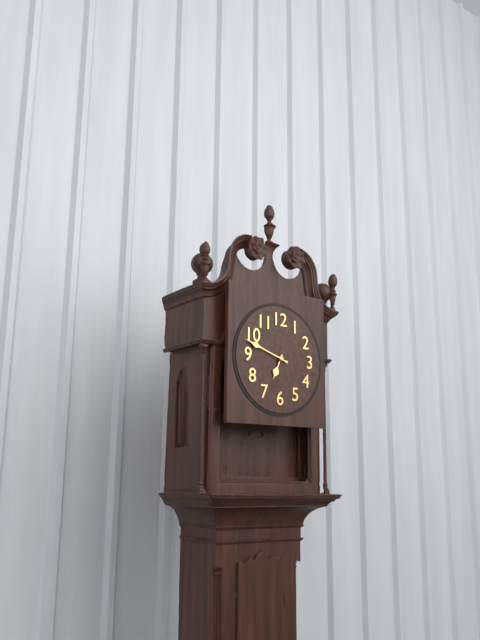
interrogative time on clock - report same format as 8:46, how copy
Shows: 6:48
